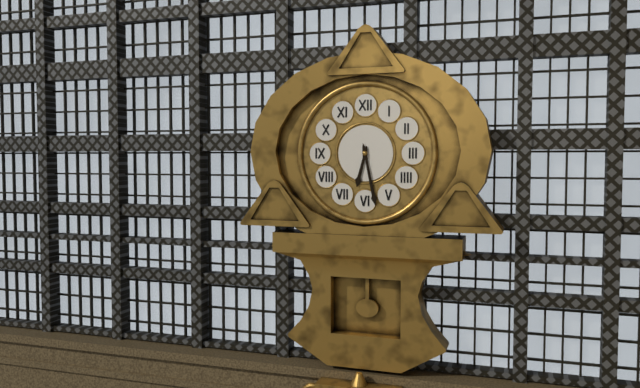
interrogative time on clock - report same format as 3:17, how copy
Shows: 6:28
